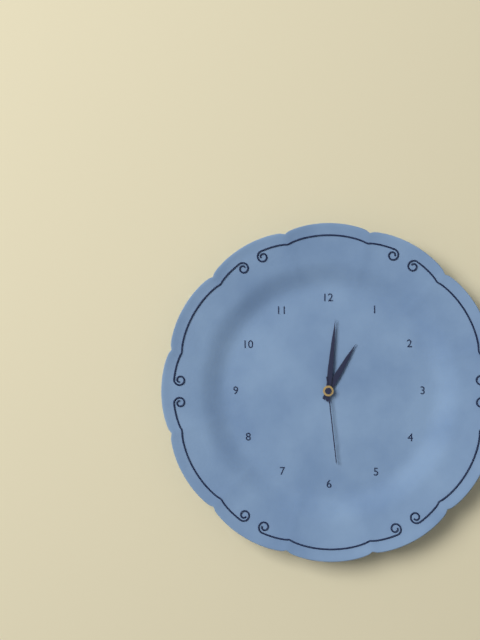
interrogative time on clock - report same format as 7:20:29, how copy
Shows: 1:01:29
